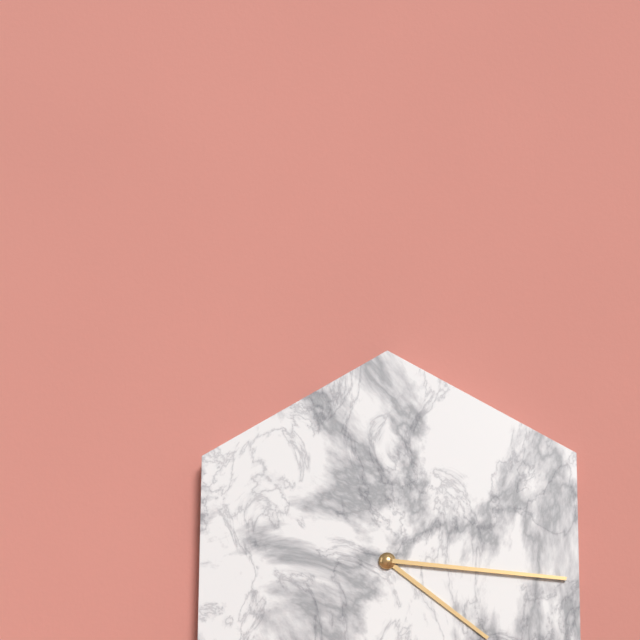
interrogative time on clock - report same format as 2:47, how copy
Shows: 4:16
